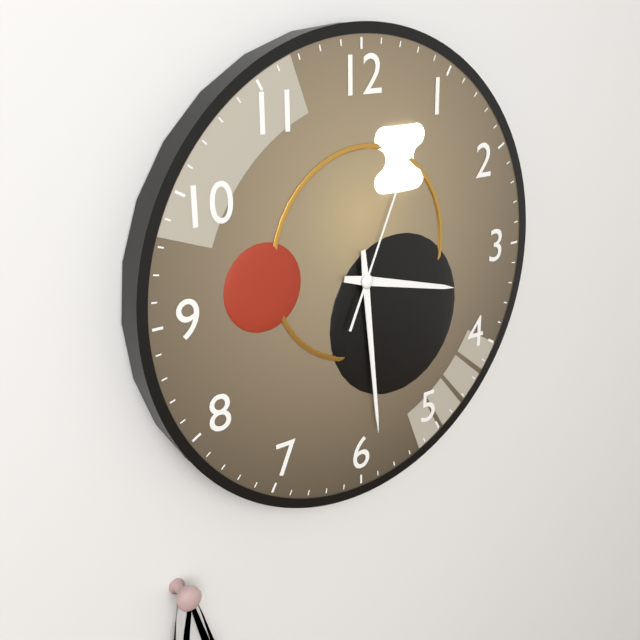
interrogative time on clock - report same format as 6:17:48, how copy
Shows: 3:29:04
